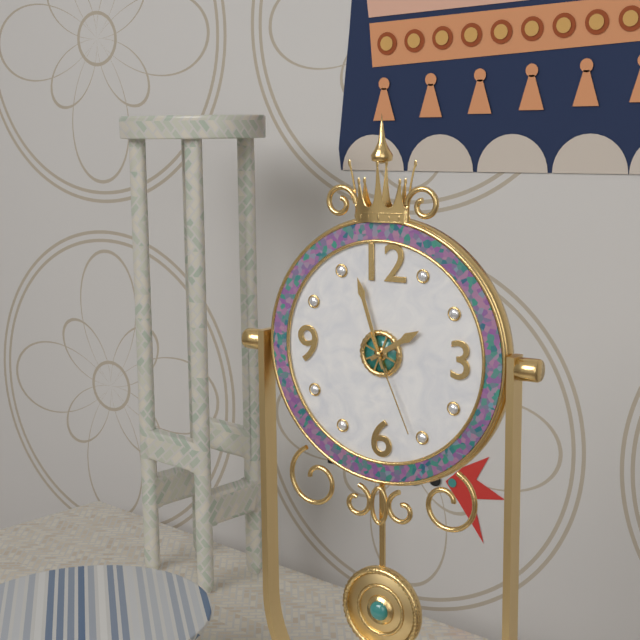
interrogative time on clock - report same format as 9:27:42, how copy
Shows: 1:57:26
